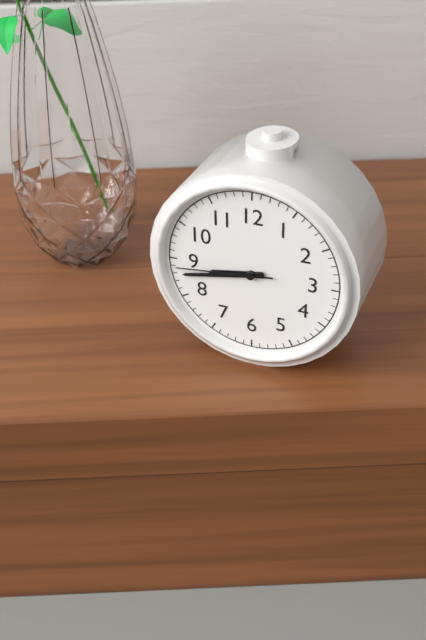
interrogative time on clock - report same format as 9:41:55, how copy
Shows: 8:43:44
